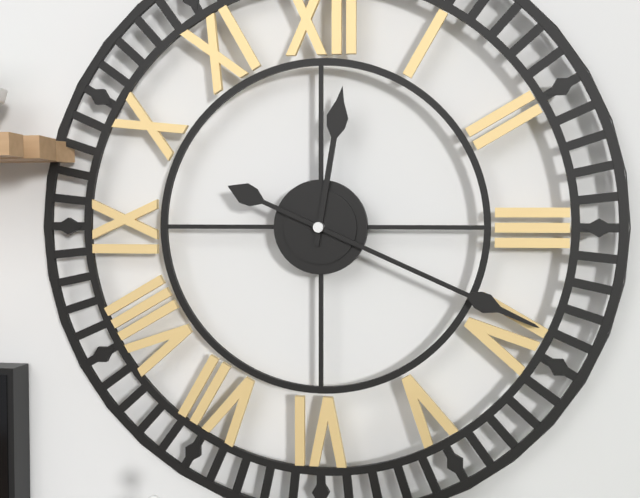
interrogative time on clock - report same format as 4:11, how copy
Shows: 12:19
